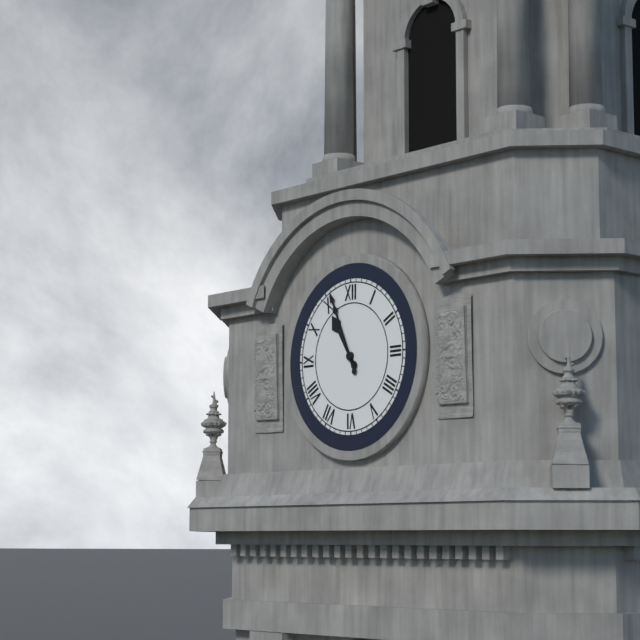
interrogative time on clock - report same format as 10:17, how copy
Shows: 10:56
